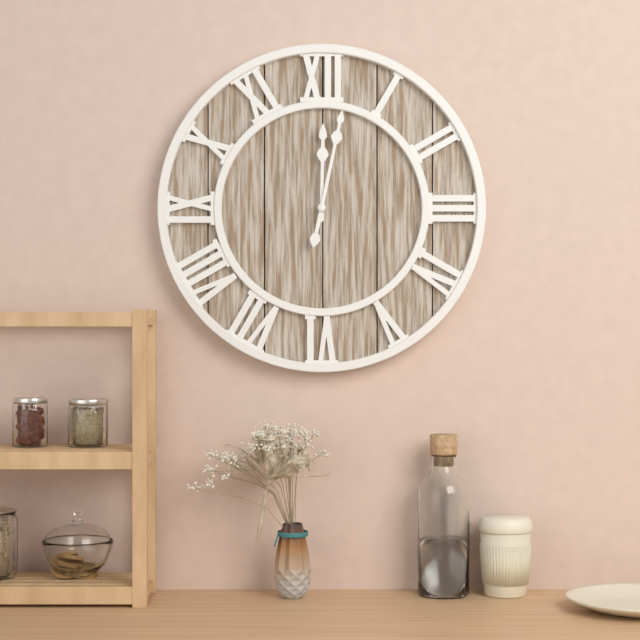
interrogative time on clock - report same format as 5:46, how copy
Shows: 12:02
